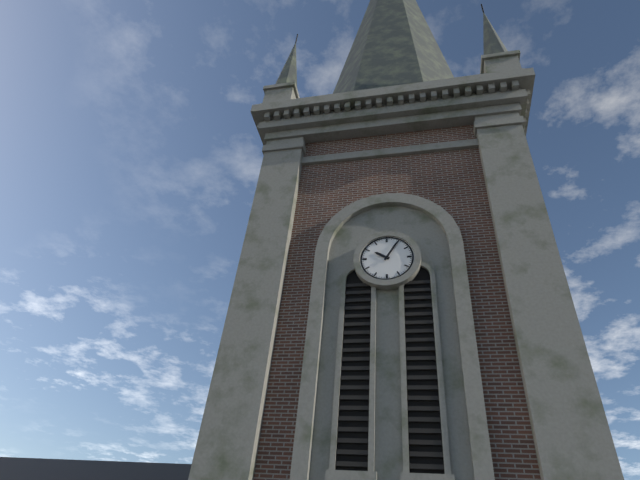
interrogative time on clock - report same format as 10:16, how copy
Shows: 10:05
